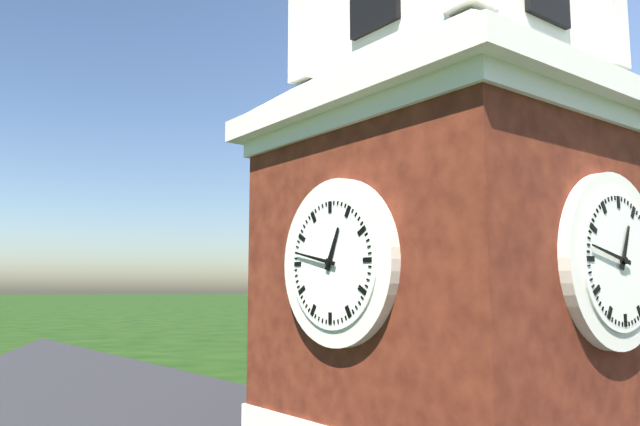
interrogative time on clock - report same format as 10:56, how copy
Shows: 12:47
